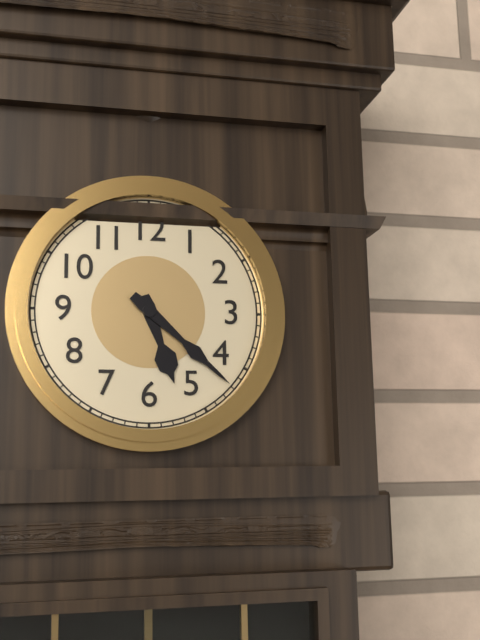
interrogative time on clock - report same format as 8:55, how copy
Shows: 5:22
